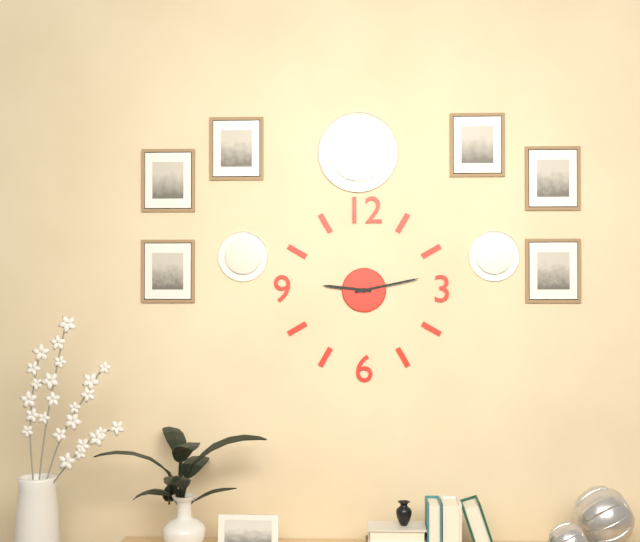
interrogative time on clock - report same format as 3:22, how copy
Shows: 9:13
